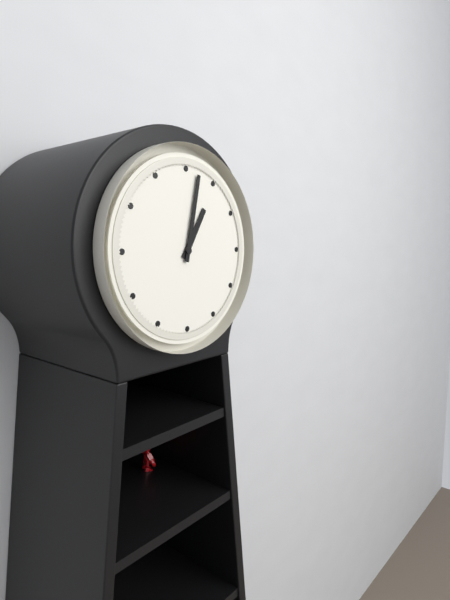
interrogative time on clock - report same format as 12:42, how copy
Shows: 1:02
